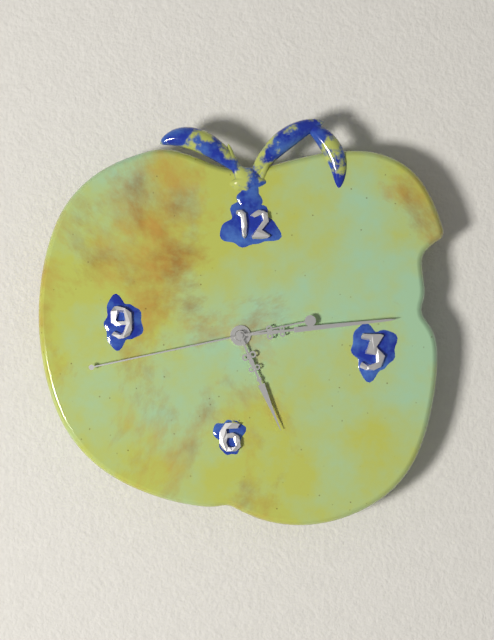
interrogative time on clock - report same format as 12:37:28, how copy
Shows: 5:14:43
